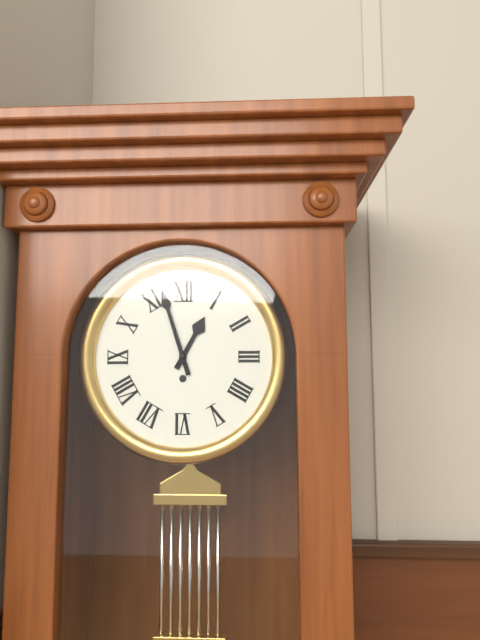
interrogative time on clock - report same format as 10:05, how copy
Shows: 12:57
